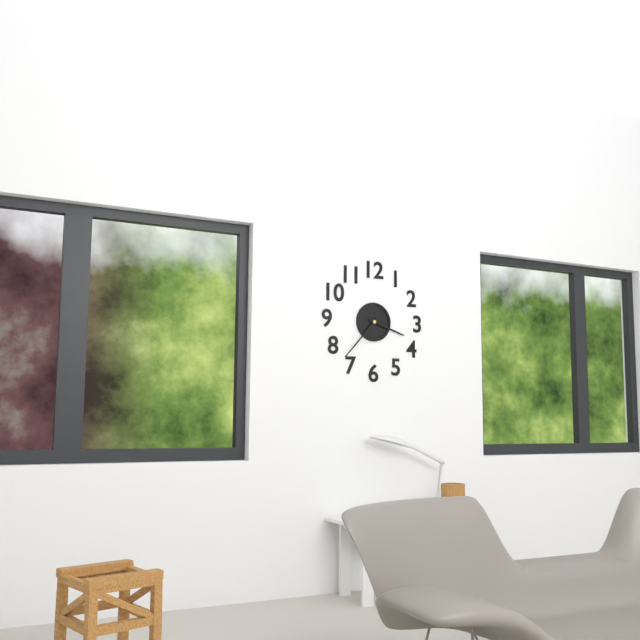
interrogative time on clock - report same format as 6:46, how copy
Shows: 3:37
